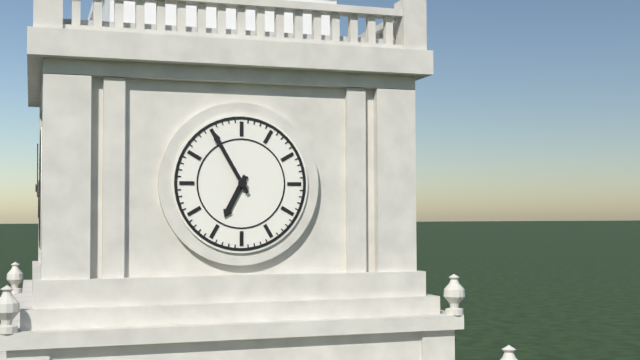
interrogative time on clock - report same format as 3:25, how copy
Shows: 6:55
